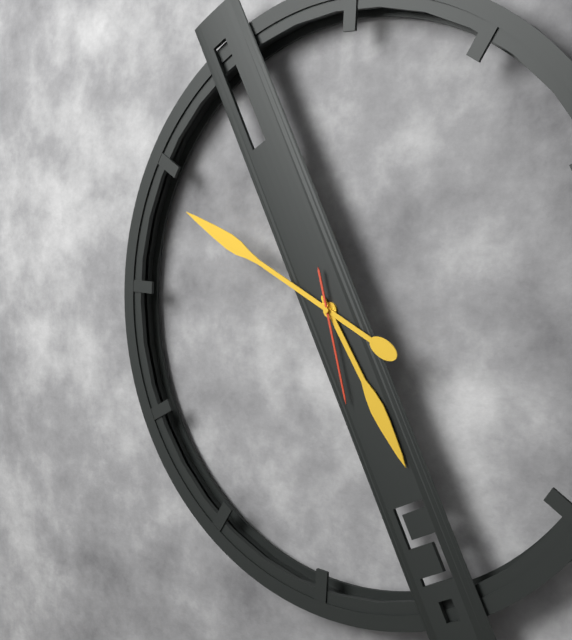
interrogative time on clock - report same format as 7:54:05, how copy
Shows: 4:49:27
